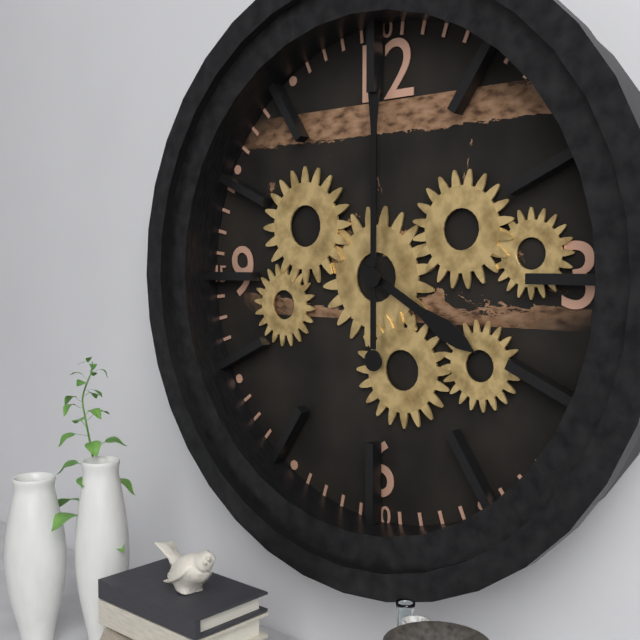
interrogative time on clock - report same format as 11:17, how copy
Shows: 4:00
